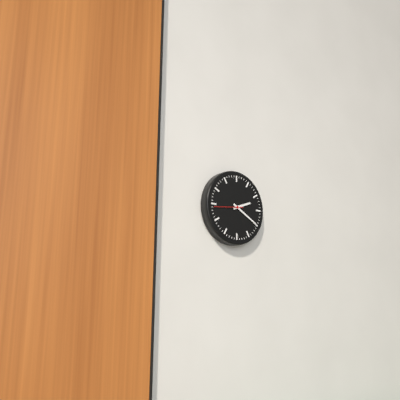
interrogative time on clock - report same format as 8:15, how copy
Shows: 2:20
